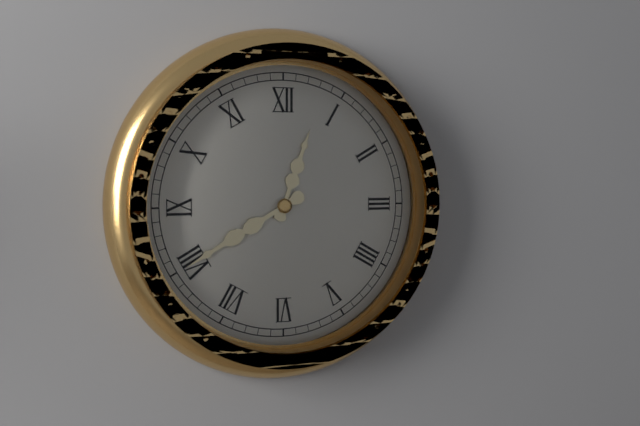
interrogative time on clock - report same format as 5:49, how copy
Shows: 12:40
